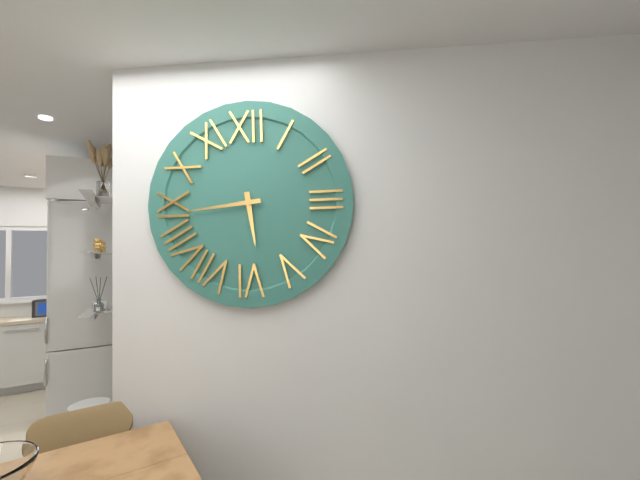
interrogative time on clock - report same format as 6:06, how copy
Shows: 5:44
